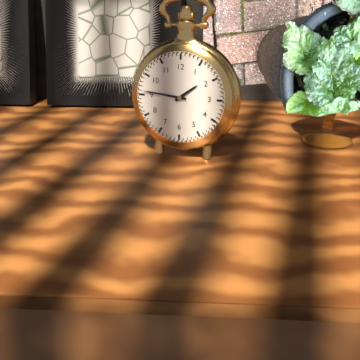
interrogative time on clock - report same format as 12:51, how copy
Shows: 1:46
